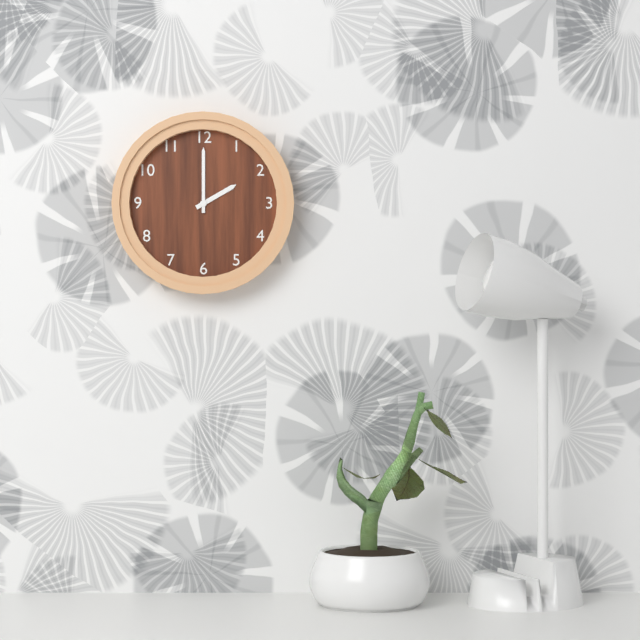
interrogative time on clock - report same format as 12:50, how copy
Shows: 2:00
